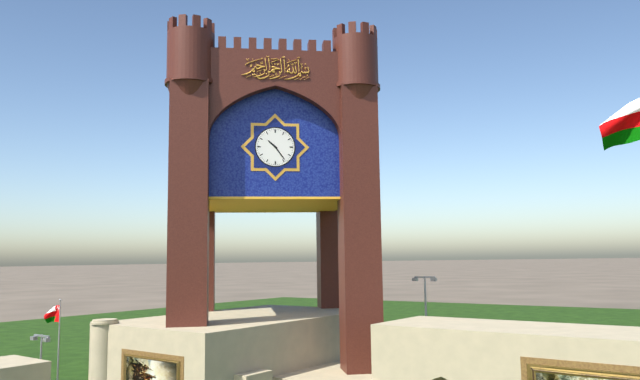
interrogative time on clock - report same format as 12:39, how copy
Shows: 10:24
